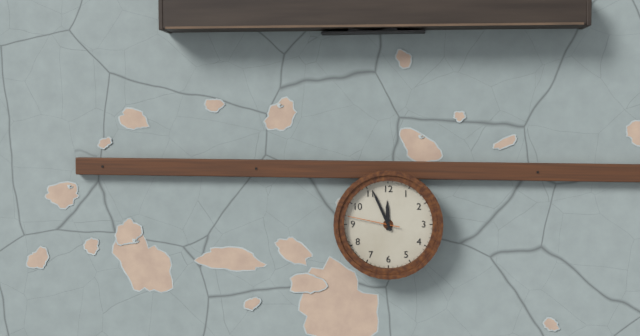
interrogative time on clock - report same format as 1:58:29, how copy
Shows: 11:56:47
